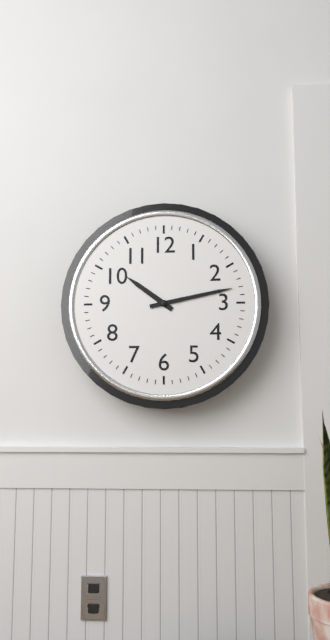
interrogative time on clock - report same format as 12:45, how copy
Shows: 10:13
